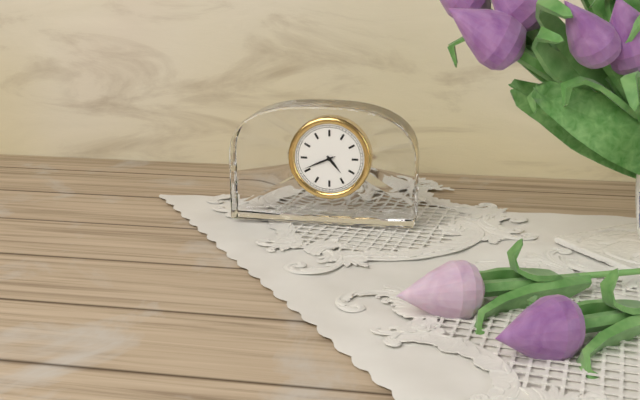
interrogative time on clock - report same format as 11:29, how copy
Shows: 4:41
